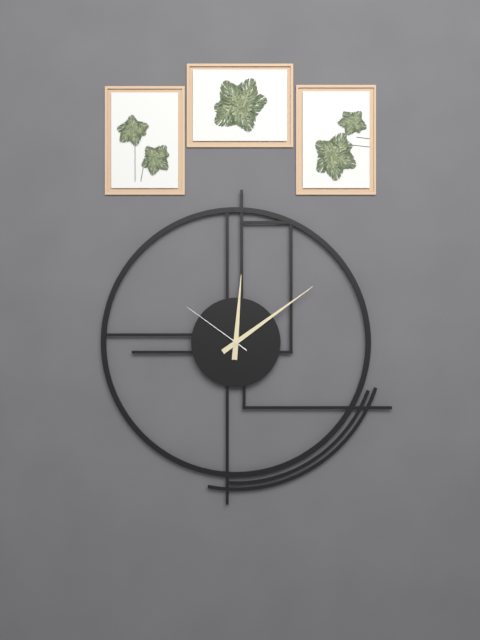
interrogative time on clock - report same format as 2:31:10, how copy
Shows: 12:09:51
